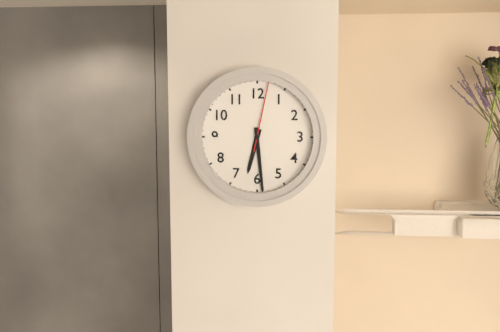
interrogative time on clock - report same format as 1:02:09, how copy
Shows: 6:29:02
